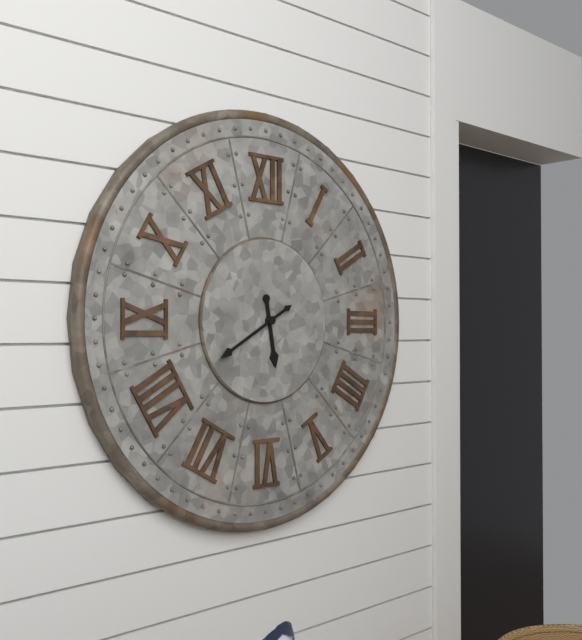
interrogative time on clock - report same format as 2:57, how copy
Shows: 5:40
